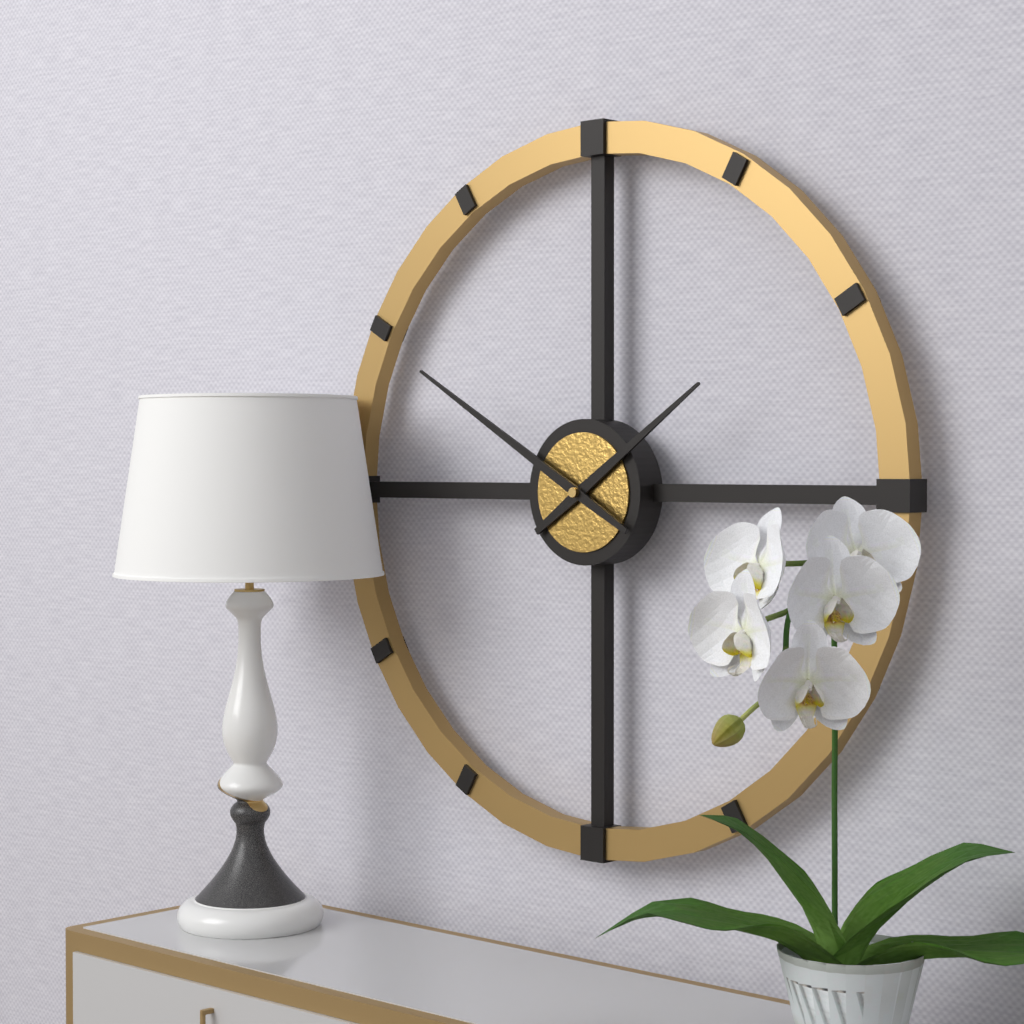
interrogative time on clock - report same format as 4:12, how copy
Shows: 1:50
